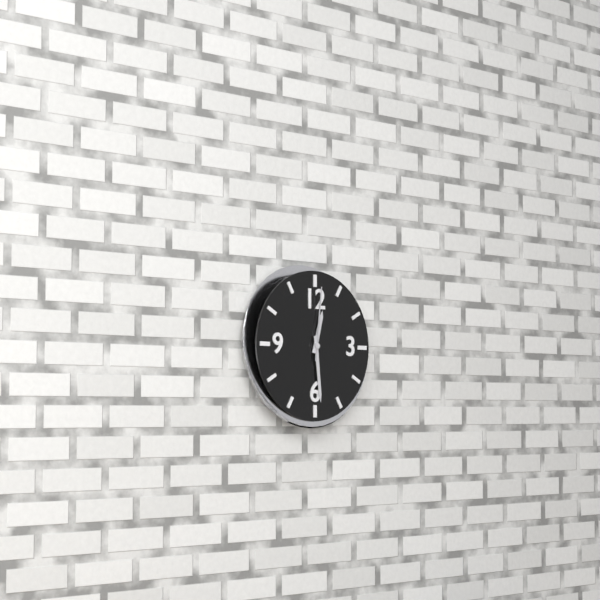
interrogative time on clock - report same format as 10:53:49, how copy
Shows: 12:29:01
